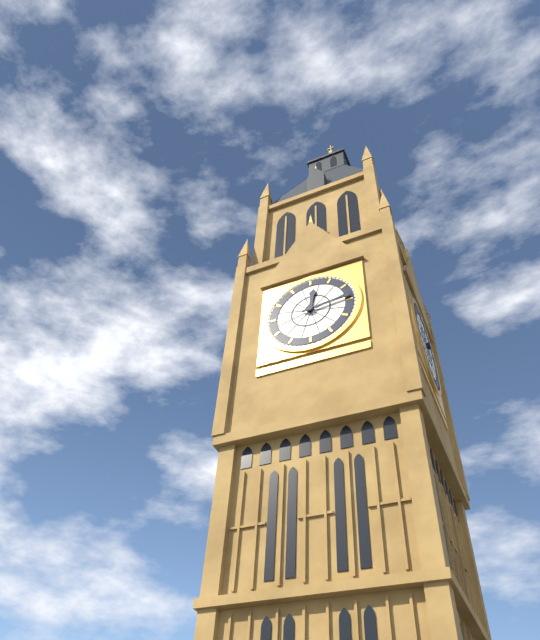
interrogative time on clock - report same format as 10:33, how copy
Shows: 12:14
